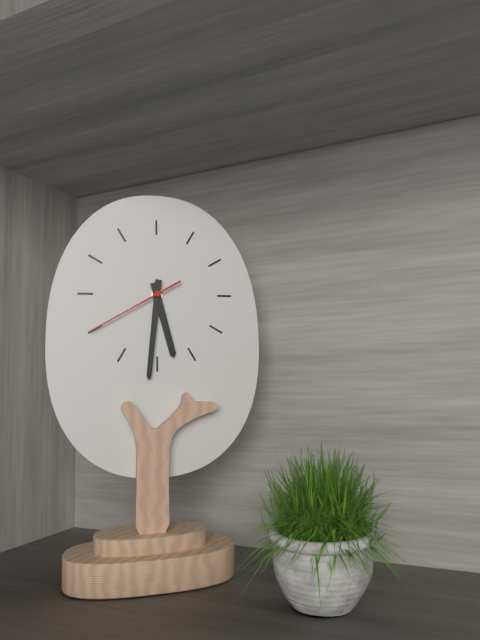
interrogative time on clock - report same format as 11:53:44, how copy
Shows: 5:31:40
